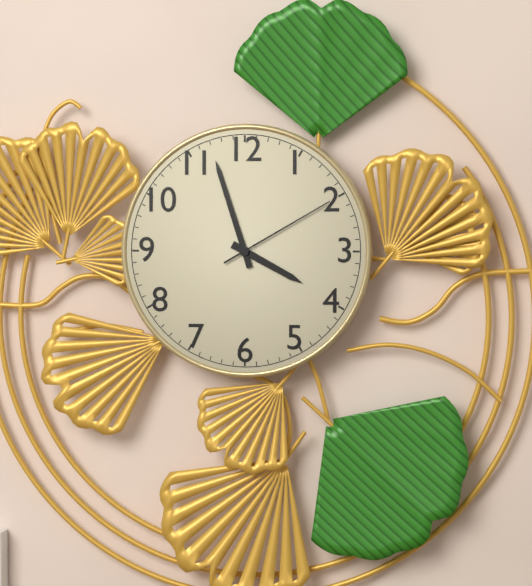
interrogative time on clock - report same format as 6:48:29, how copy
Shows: 3:57:10
